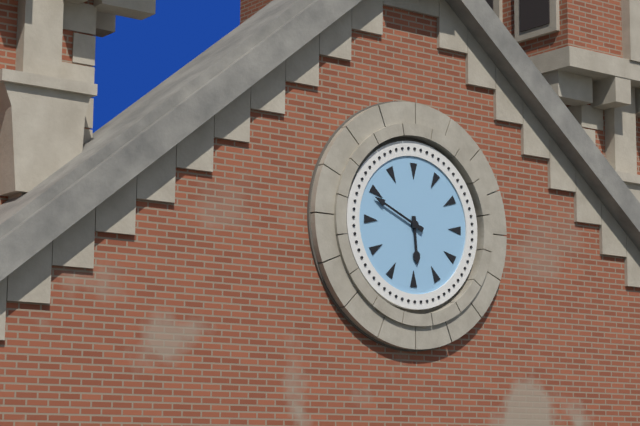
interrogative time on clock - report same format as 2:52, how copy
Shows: 5:49
